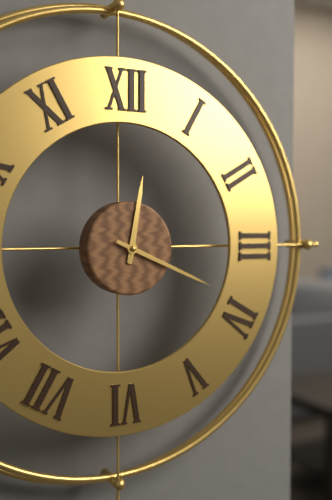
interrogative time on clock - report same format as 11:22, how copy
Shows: 12:19
